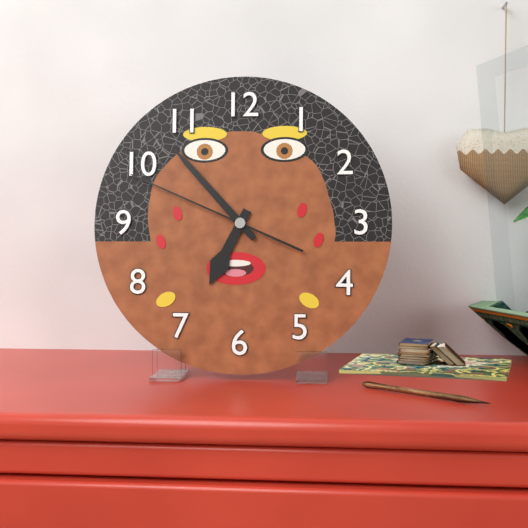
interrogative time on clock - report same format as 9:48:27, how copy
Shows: 6:53:49
